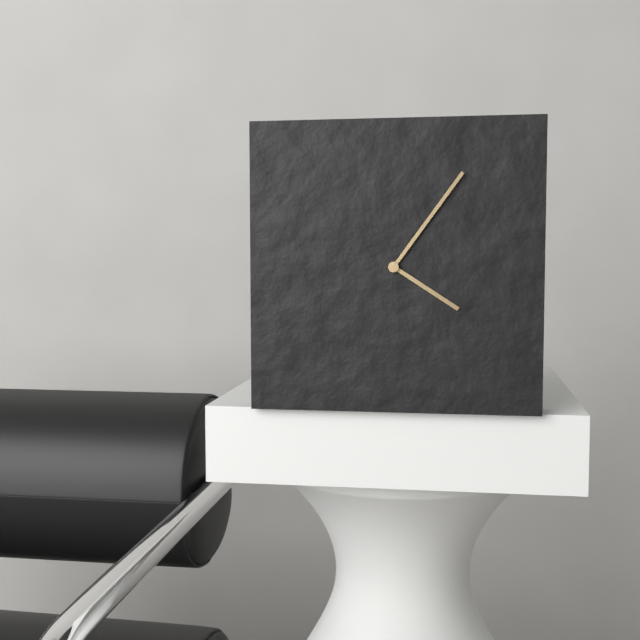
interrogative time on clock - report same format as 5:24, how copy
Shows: 4:06
